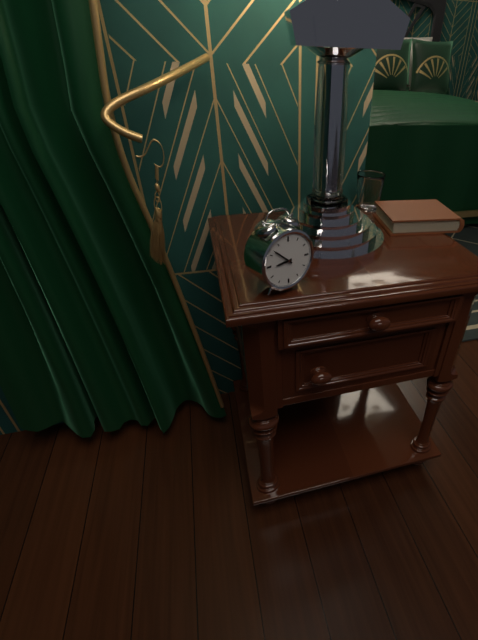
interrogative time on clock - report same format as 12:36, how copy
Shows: 8:52
